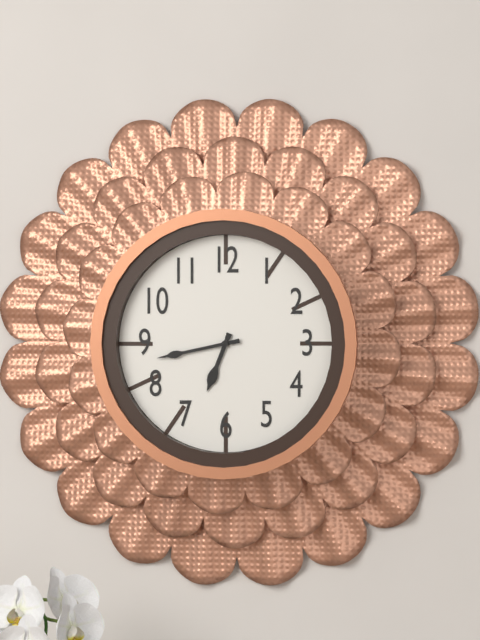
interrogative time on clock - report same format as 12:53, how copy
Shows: 6:43
